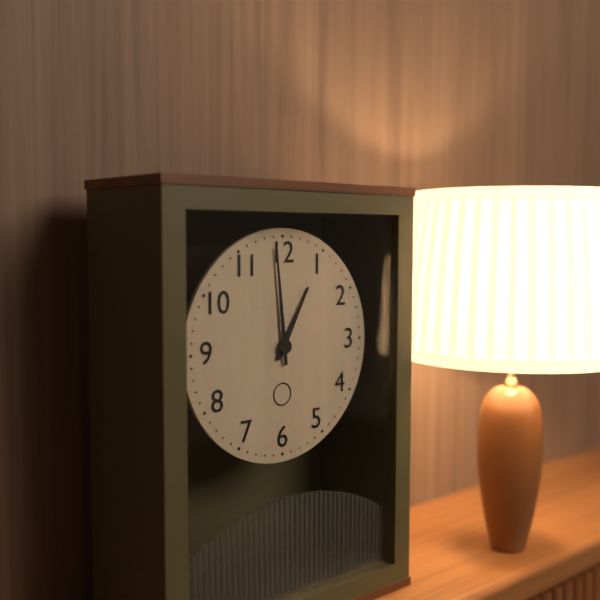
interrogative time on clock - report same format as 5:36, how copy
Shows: 12:59
